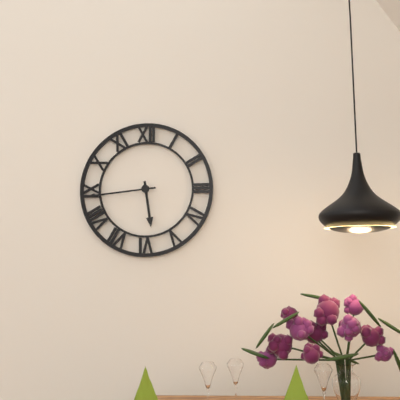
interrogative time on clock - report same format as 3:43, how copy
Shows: 5:44
